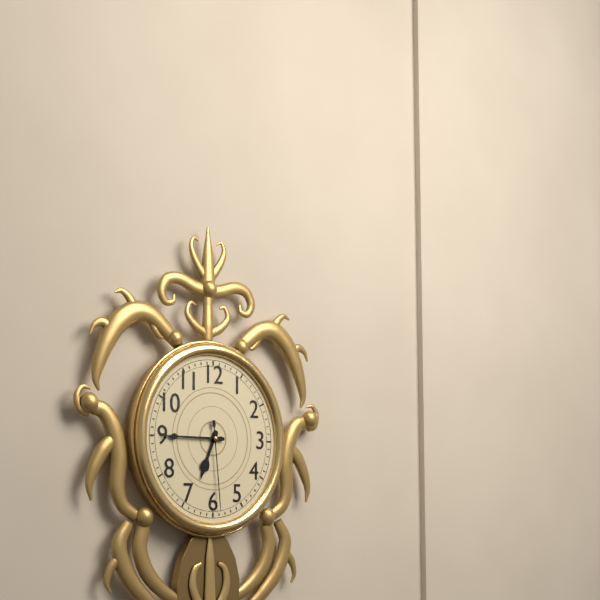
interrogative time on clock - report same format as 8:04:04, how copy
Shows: 6:45:29
